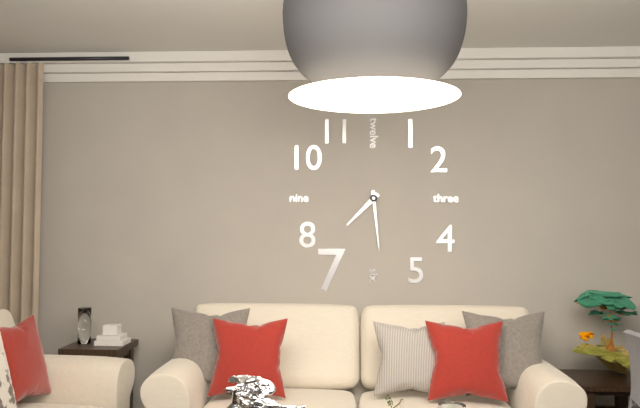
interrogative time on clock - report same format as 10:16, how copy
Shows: 7:29
